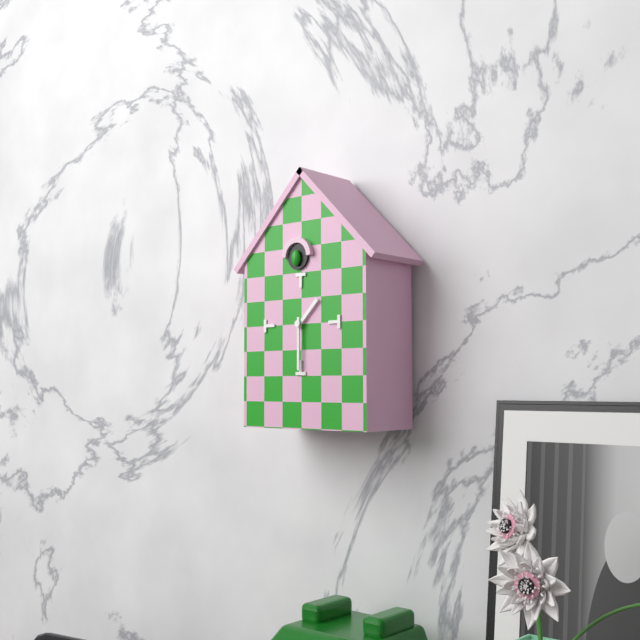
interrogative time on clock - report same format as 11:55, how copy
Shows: 1:30
